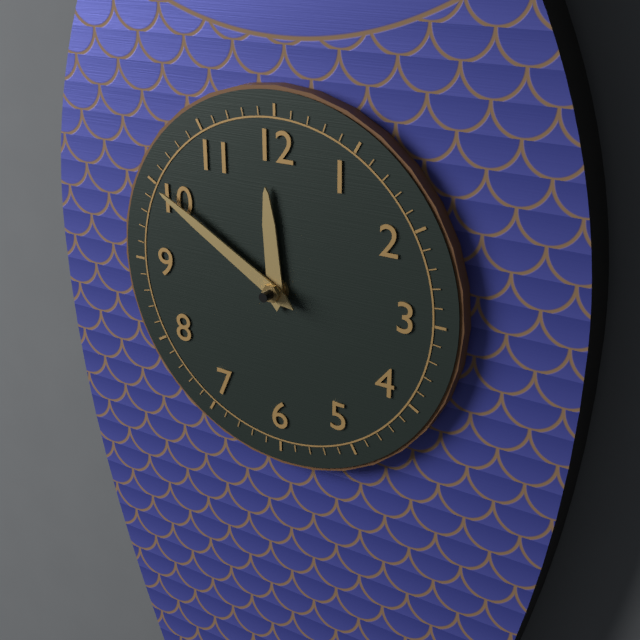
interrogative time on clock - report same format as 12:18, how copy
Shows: 11:50
